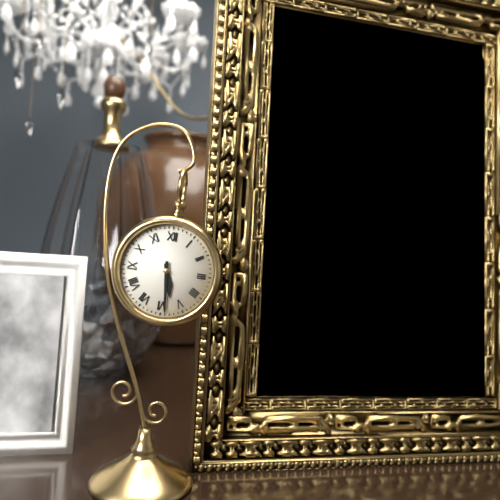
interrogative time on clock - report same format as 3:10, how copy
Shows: 5:29
